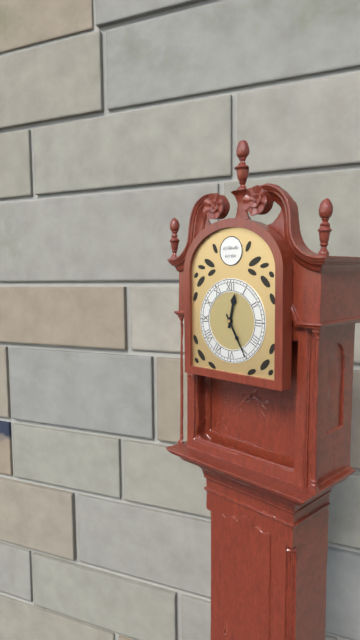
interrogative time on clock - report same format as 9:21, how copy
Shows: 12:25
